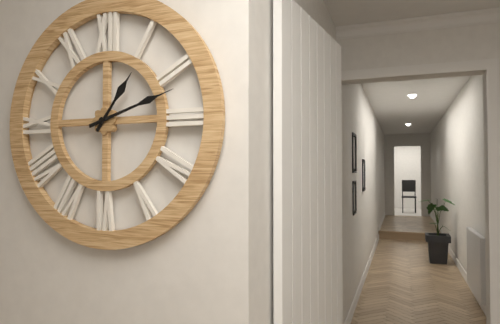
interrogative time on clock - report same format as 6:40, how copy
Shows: 1:12
